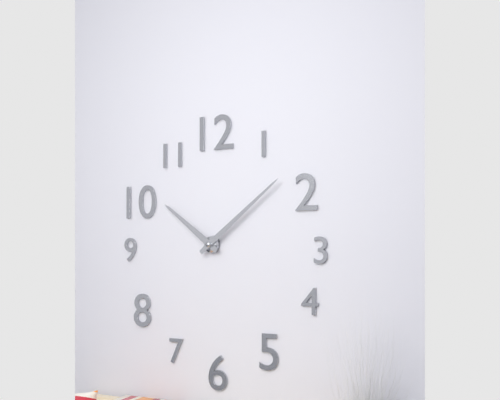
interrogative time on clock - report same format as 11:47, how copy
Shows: 10:09
